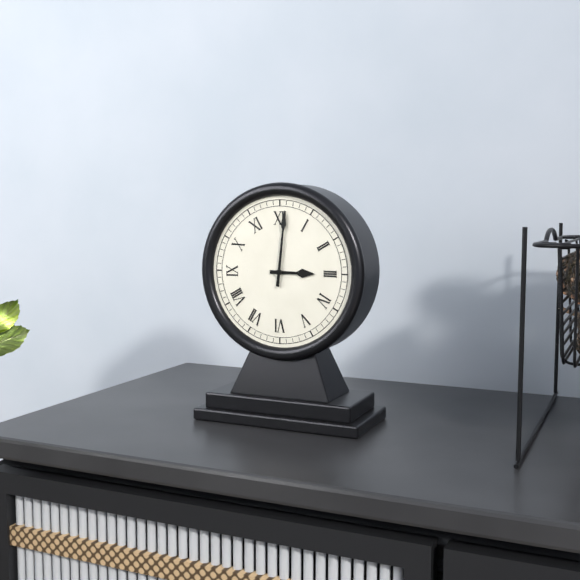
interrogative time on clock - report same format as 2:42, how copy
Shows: 3:01
